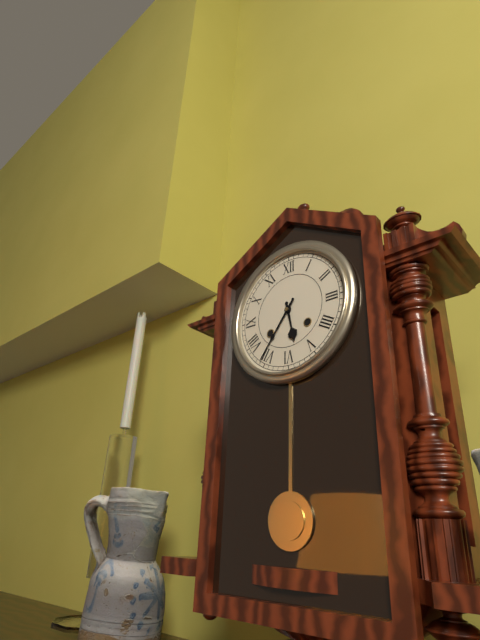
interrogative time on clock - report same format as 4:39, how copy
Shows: 5:36
